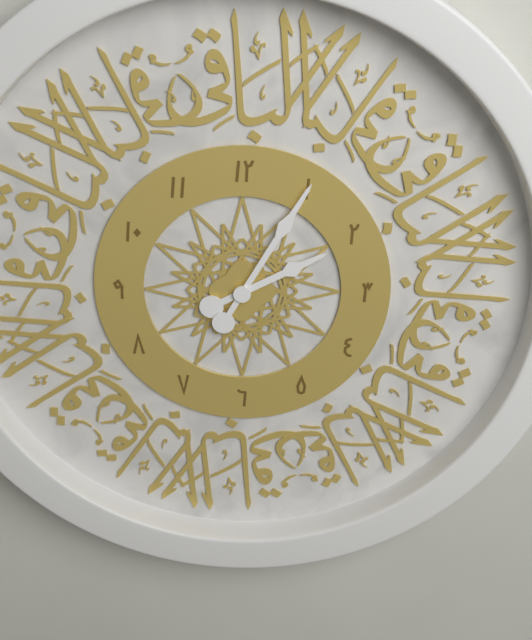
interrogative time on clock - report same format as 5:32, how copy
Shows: 2:05
